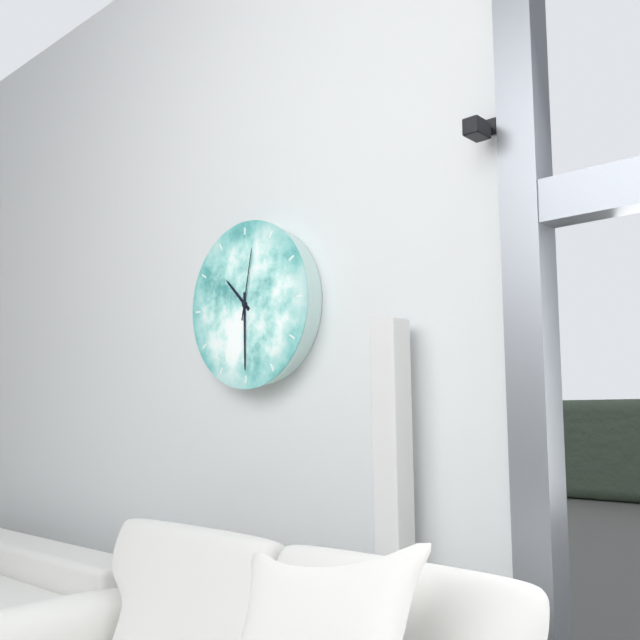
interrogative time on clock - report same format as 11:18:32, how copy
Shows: 10:30:02
